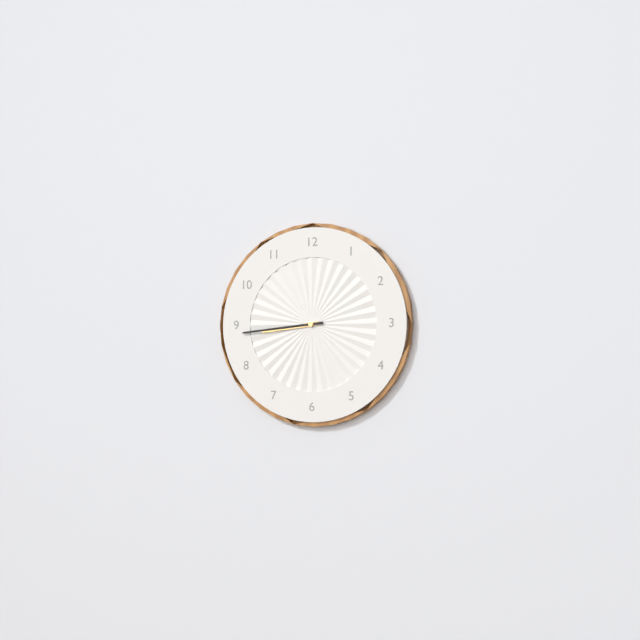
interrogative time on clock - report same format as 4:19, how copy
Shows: 8:44
